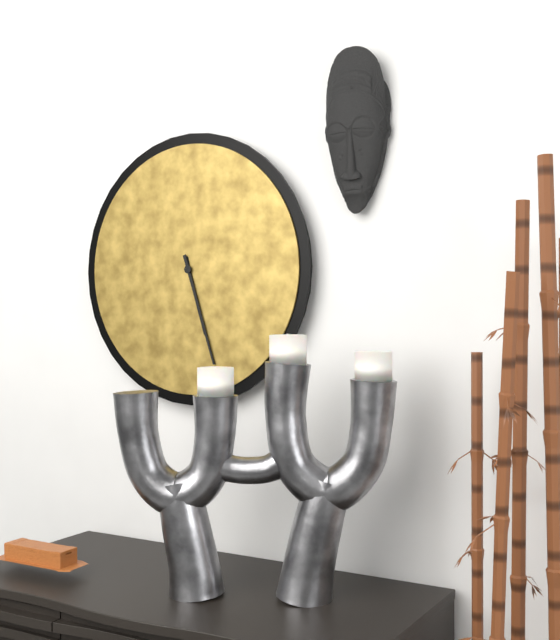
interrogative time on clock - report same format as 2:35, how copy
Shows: 5:27
